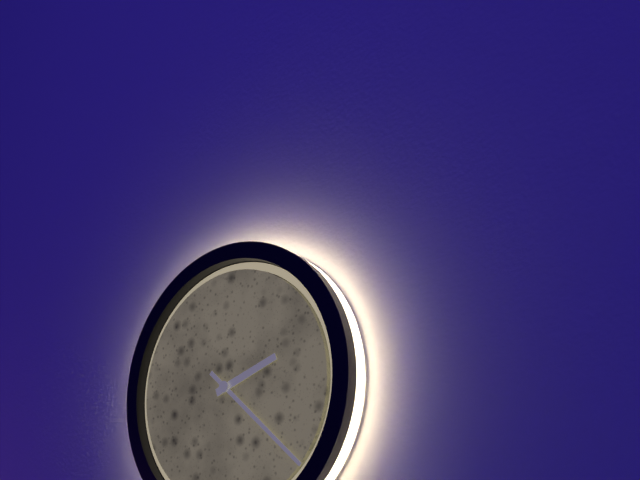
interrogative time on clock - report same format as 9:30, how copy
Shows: 2:22
